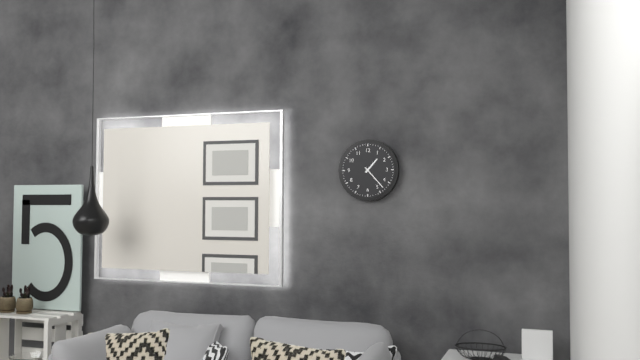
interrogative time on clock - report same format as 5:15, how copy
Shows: 1:23
